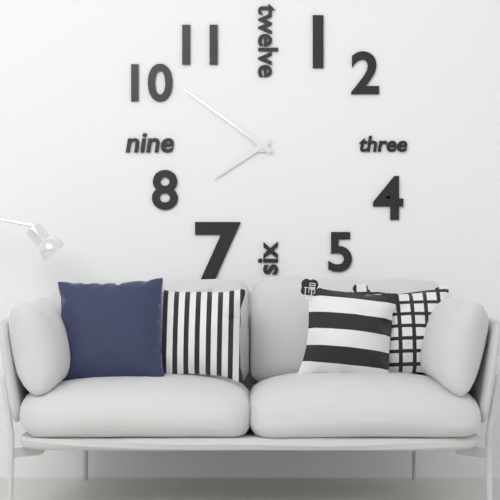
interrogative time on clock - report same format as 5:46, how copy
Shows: 7:51
